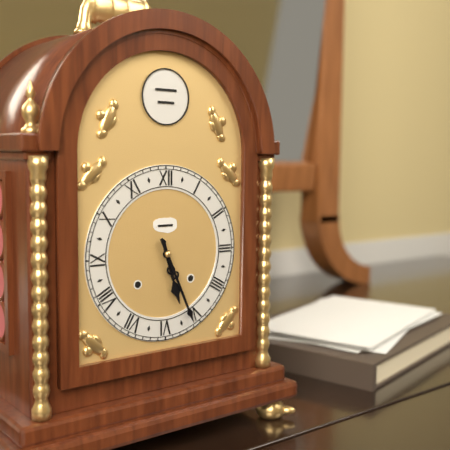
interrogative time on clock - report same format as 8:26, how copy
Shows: 5:26
